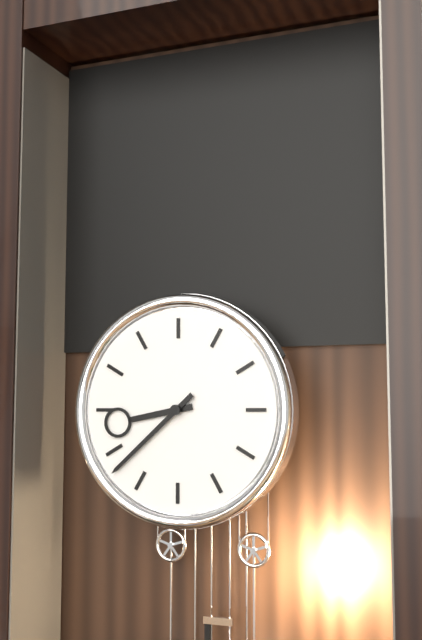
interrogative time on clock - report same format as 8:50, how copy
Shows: 8:38
